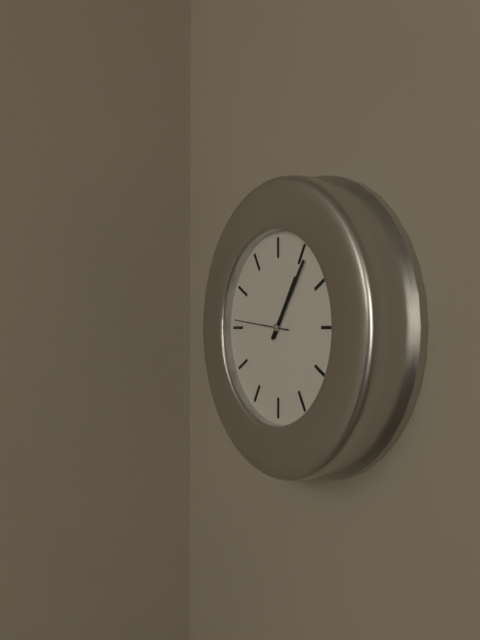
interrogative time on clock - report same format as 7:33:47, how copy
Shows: 1:06:46
